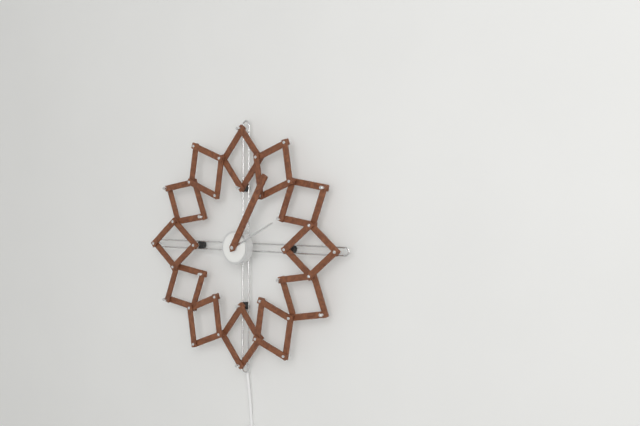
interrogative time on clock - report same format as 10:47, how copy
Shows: 2:05
